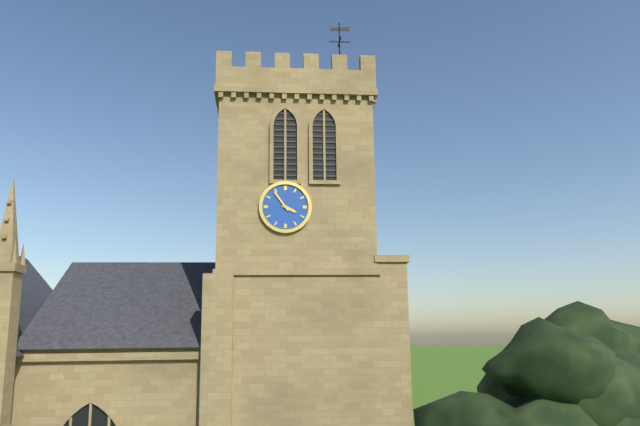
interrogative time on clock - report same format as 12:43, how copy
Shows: 3:54
